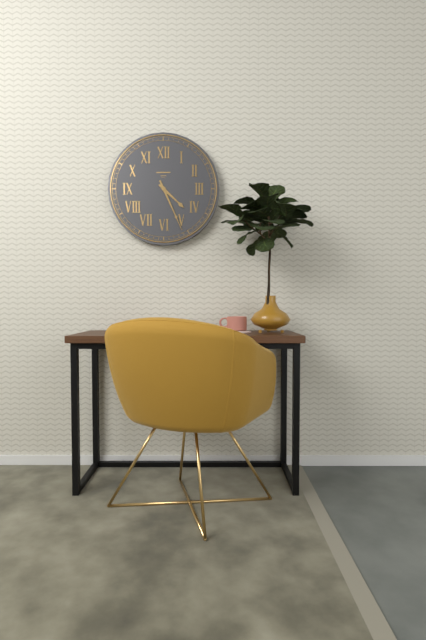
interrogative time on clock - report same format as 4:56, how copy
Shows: 4:26
